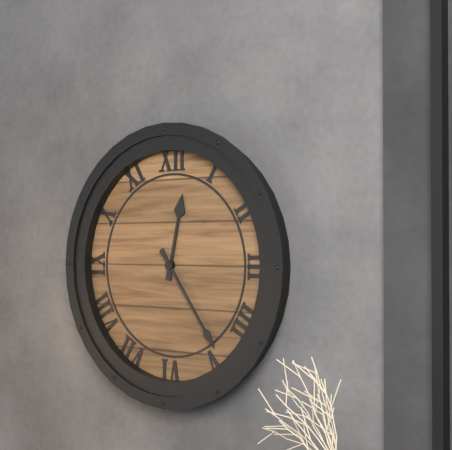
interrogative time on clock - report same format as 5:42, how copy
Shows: 12:24
